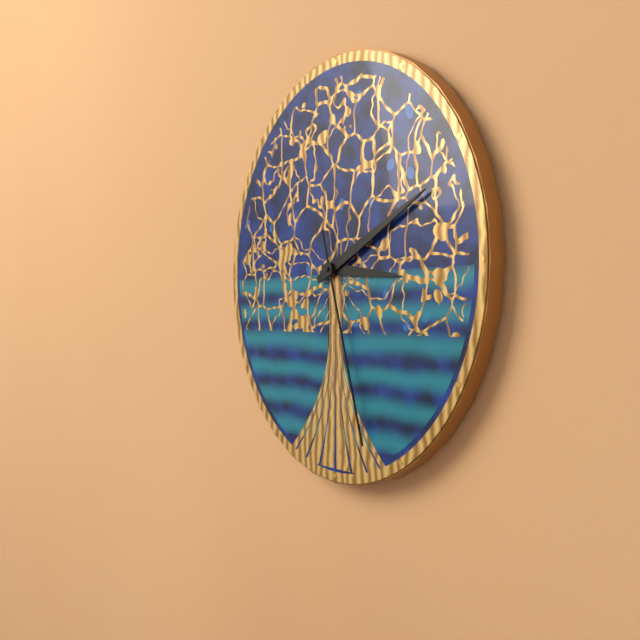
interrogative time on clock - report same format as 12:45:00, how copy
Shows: 3:11:27
